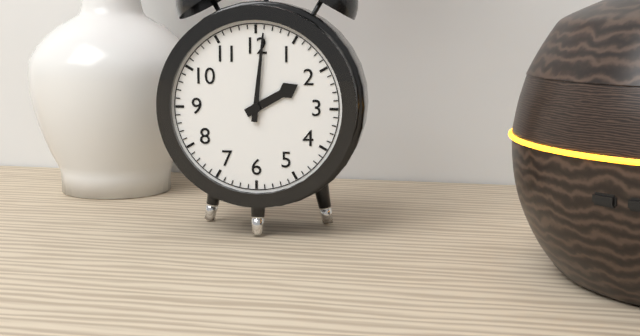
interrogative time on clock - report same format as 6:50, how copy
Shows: 2:01
